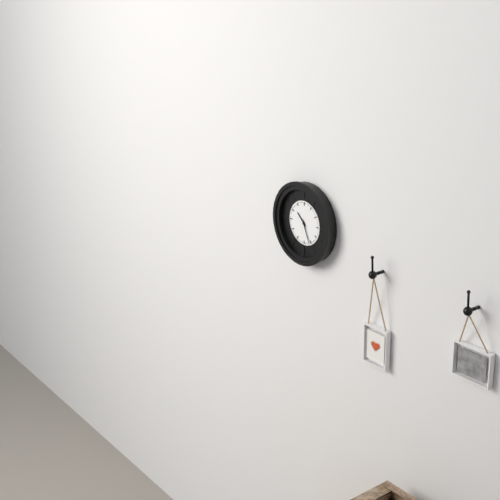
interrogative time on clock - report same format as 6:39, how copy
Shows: 10:26
